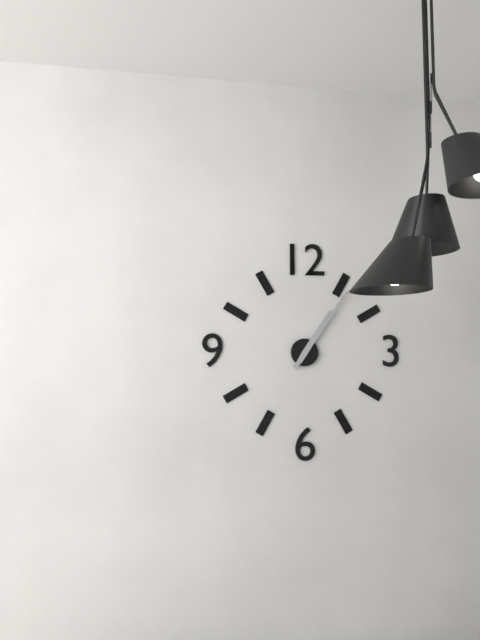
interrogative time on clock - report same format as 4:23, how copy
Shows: 1:06
